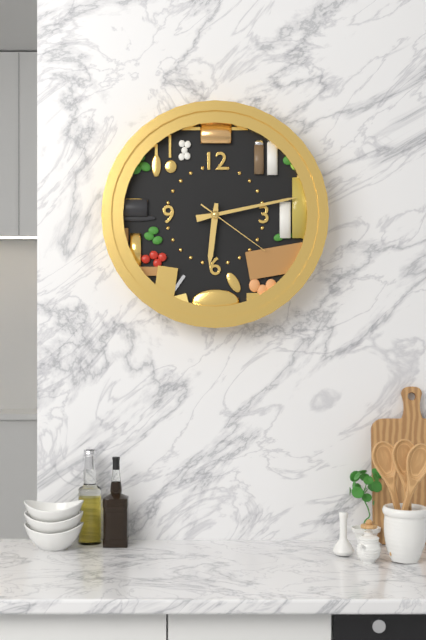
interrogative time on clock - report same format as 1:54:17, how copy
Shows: 6:13:21
